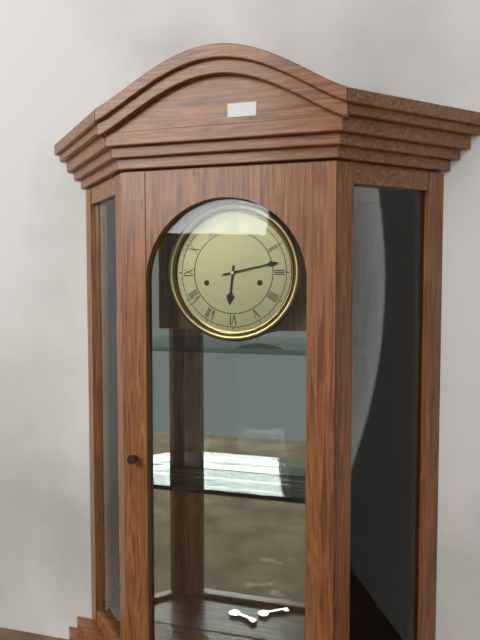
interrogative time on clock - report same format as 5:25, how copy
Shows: 6:13
